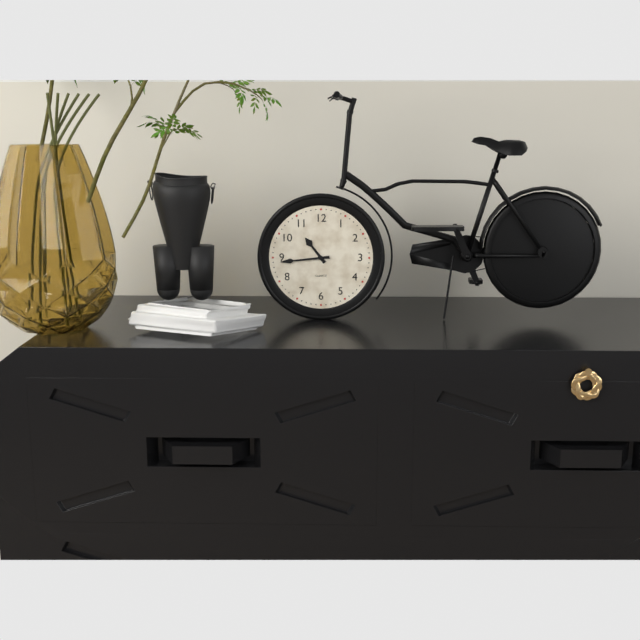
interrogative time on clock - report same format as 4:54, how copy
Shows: 10:44
